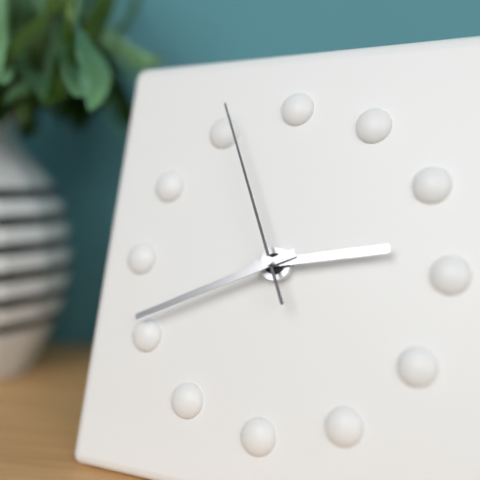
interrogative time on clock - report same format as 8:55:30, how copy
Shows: 2:41:56
